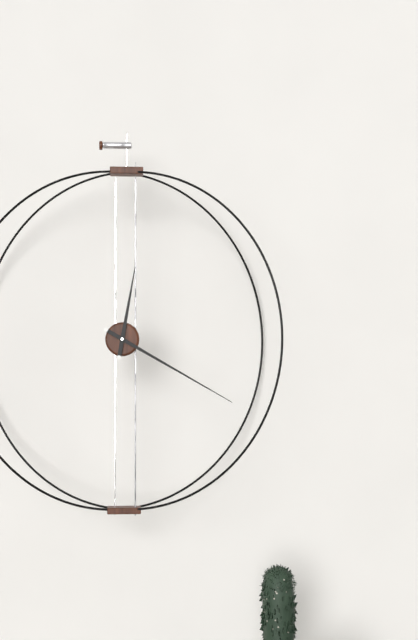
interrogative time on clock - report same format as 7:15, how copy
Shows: 12:20
